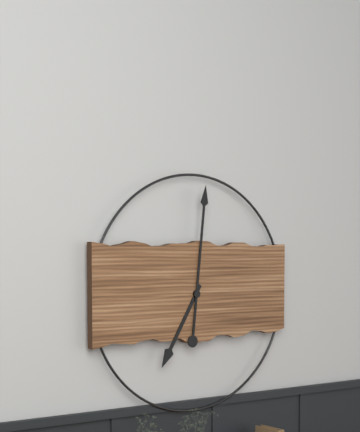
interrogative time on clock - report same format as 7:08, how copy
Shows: 7:01
